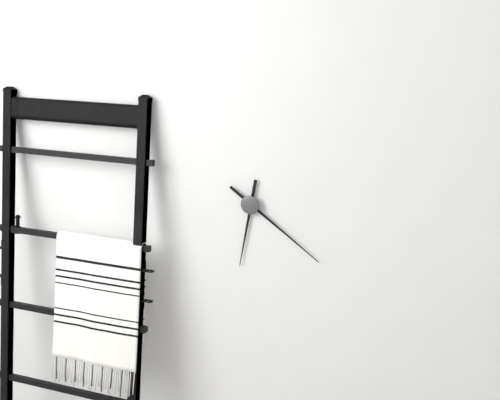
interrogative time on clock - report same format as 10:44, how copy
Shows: 6:21
